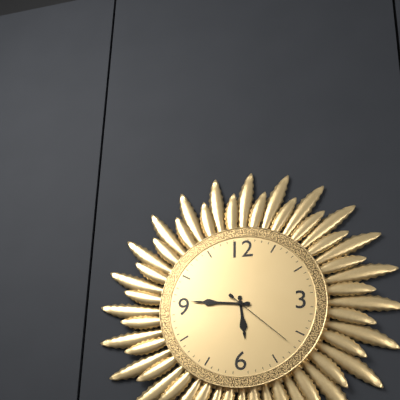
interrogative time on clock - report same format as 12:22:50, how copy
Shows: 5:46:22
